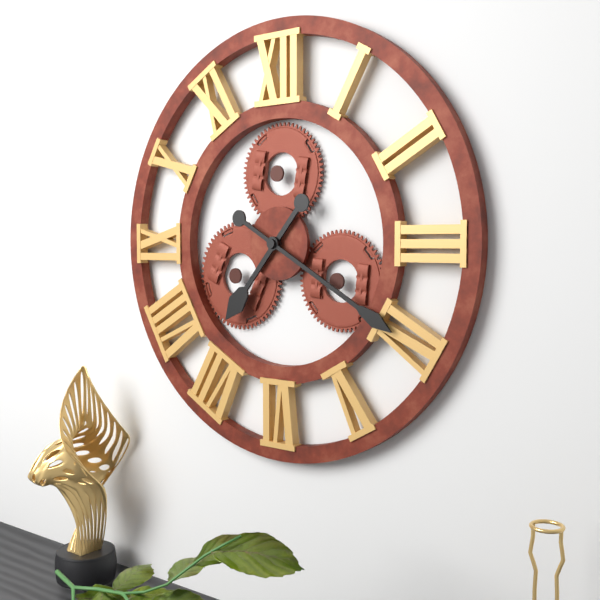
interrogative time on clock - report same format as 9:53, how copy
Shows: 7:20
